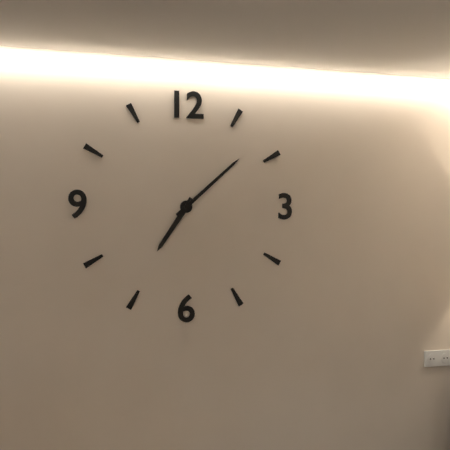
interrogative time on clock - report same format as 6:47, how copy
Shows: 7:08
